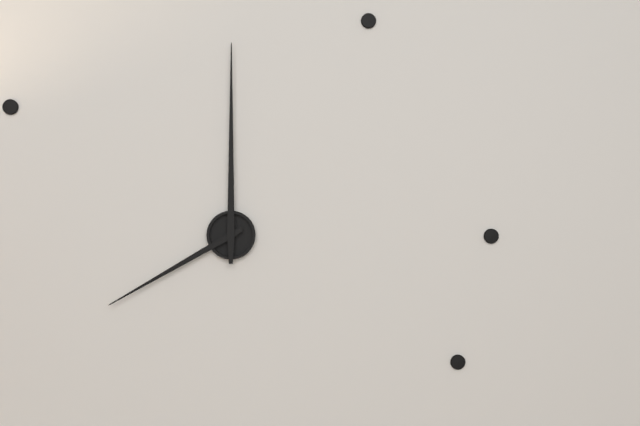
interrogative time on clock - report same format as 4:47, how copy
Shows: 8:00
